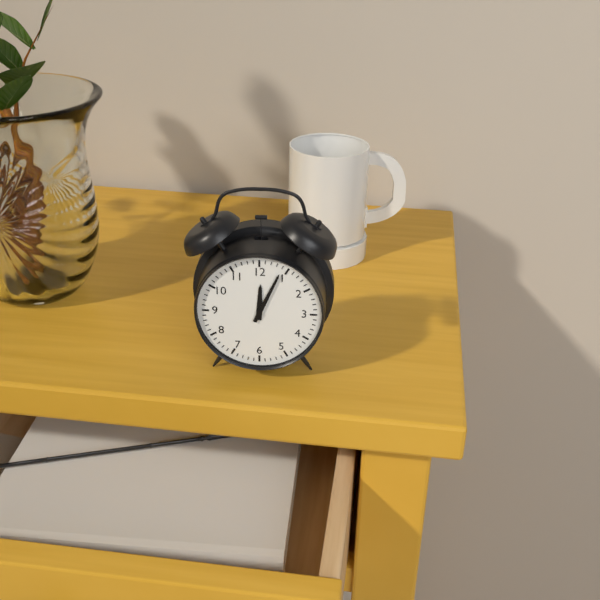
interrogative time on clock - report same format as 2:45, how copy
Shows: 12:04
